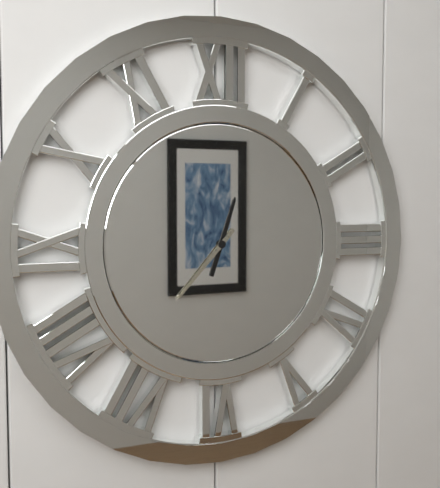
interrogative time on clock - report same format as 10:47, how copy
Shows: 12:37
